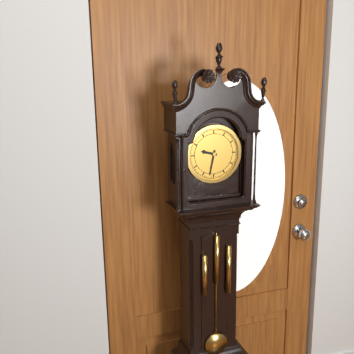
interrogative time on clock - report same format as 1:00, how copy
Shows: 9:32
